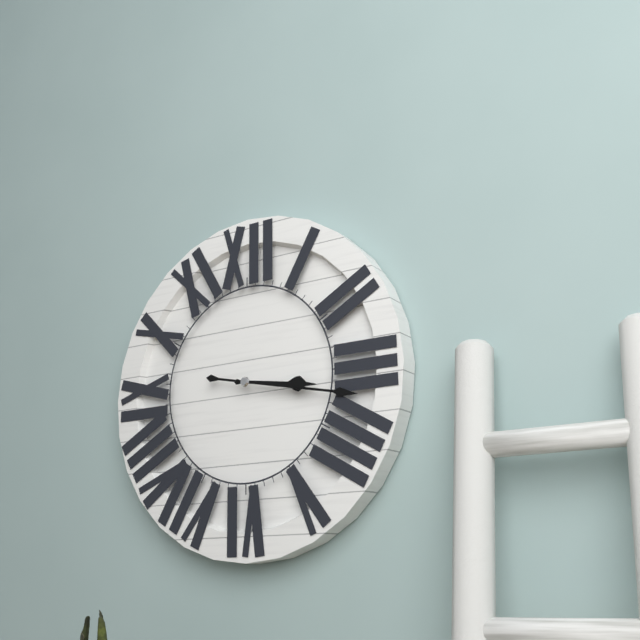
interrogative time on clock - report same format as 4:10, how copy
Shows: 3:17
